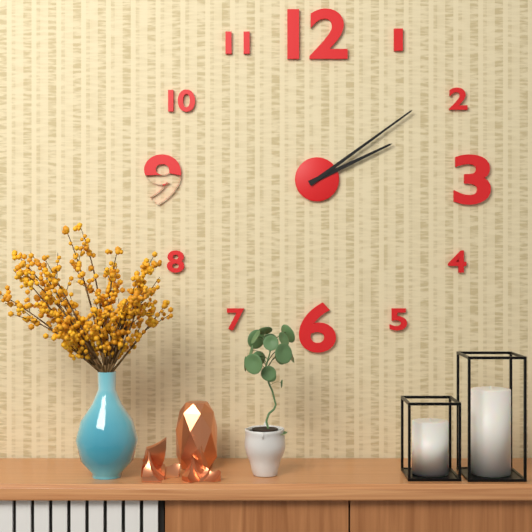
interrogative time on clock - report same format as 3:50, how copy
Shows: 2:09
